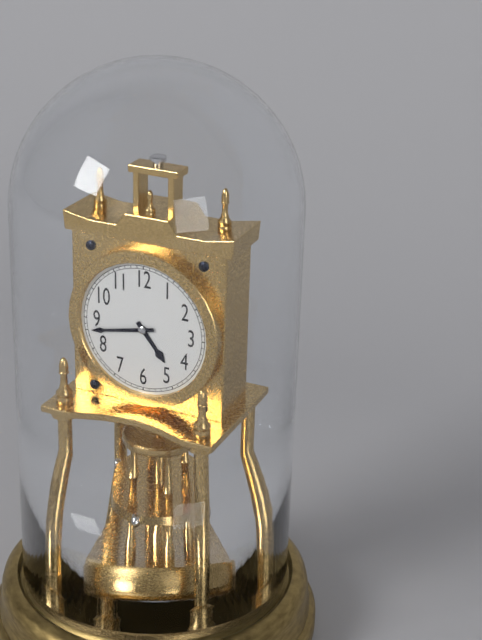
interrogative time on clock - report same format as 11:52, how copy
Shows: 4:43
